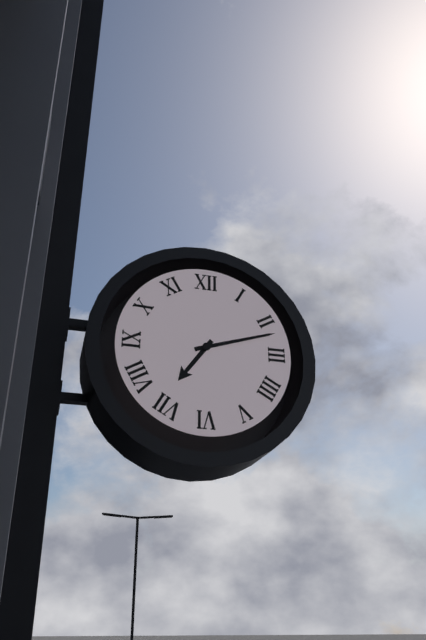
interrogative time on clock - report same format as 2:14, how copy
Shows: 7:12
